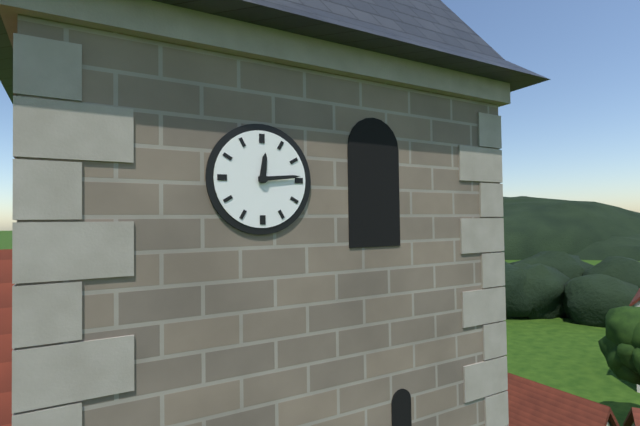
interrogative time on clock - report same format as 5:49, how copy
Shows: 12:14
